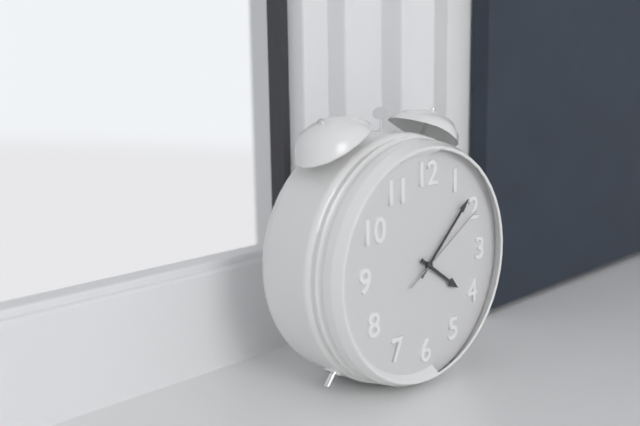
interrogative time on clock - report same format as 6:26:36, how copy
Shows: 4:08:10
